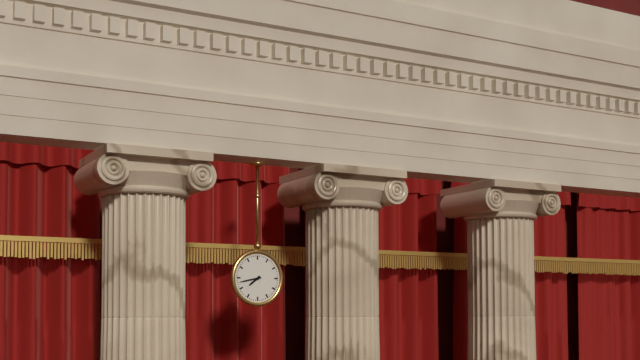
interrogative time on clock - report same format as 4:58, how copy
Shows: 7:43
